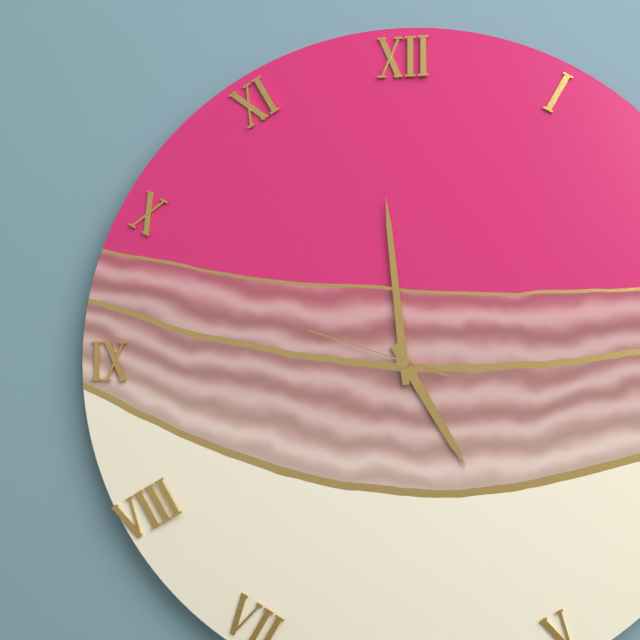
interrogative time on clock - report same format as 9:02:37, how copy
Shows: 4:59:48
